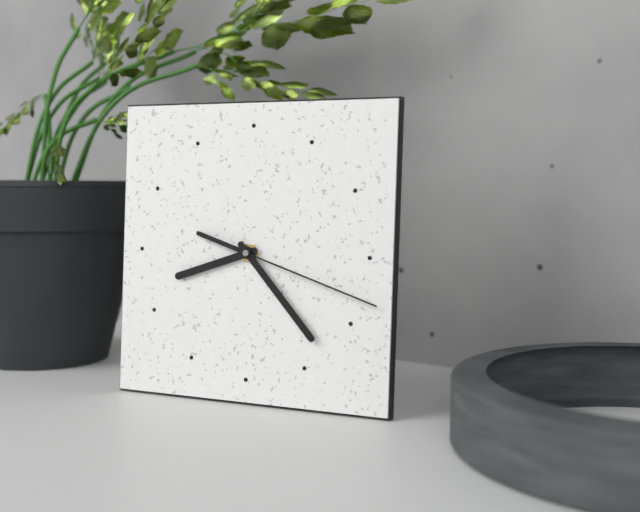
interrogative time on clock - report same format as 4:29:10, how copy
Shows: 8:23:18
